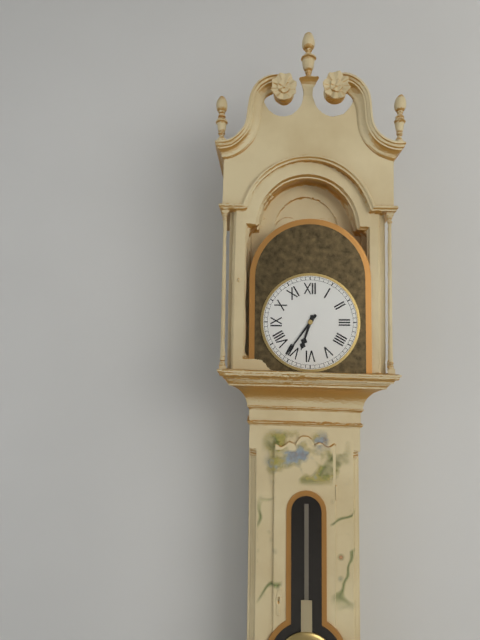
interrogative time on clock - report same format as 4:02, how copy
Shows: 6:36
